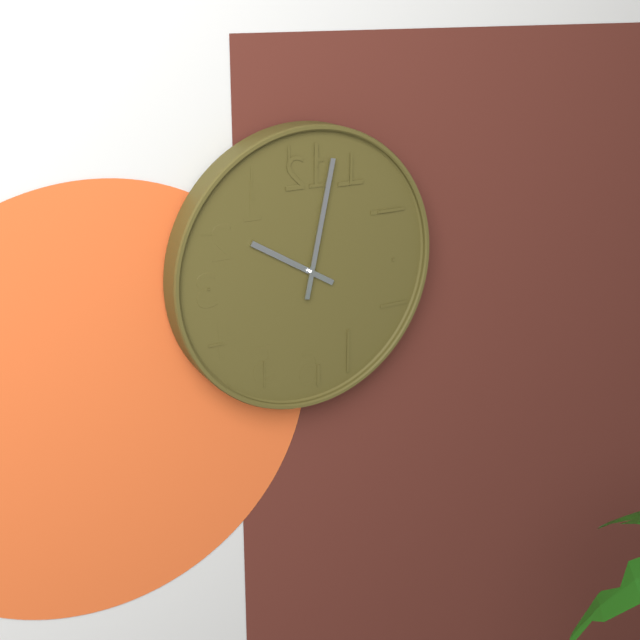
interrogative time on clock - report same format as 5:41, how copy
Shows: 10:02
